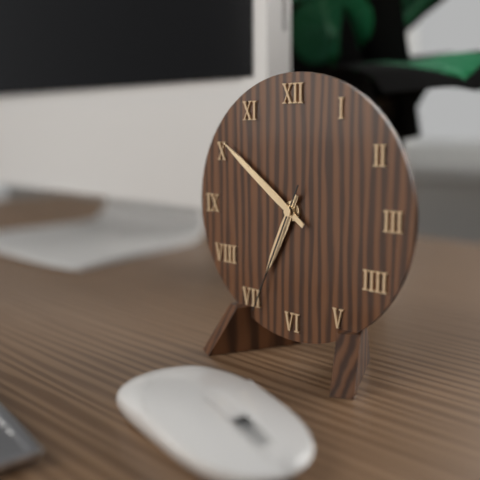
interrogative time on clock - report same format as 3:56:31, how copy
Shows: 6:51:34
